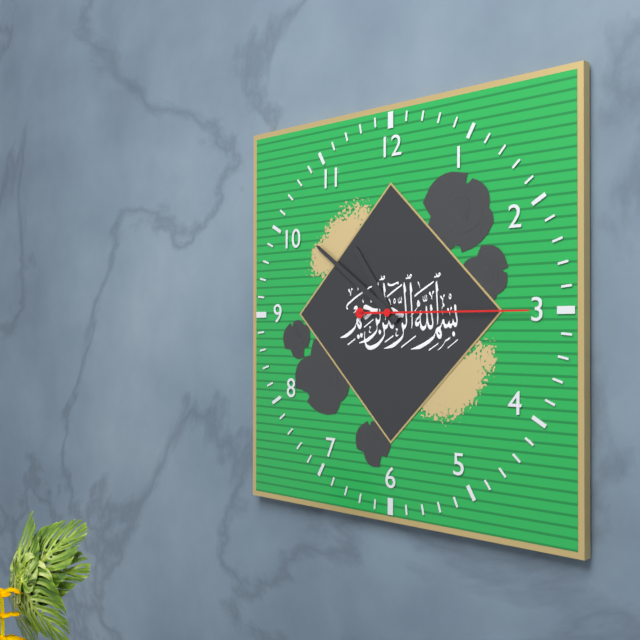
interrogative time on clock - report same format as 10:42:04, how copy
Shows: 10:51:15
